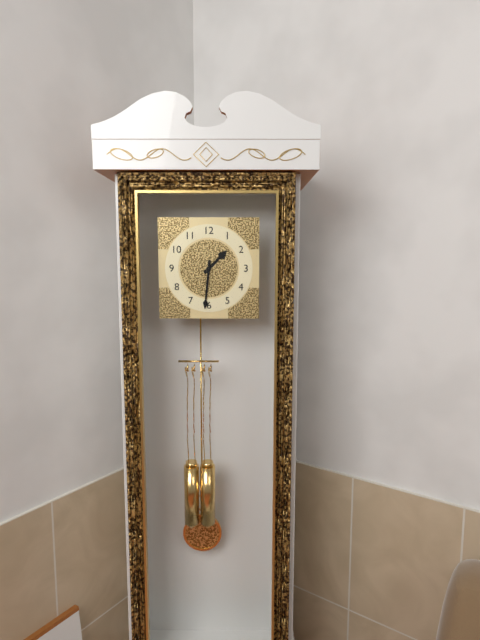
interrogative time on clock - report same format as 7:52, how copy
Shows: 1:31
